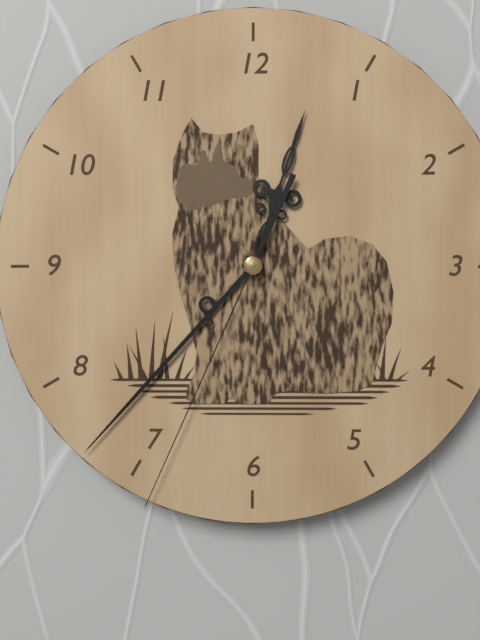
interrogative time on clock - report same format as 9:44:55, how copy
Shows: 12:37:34
